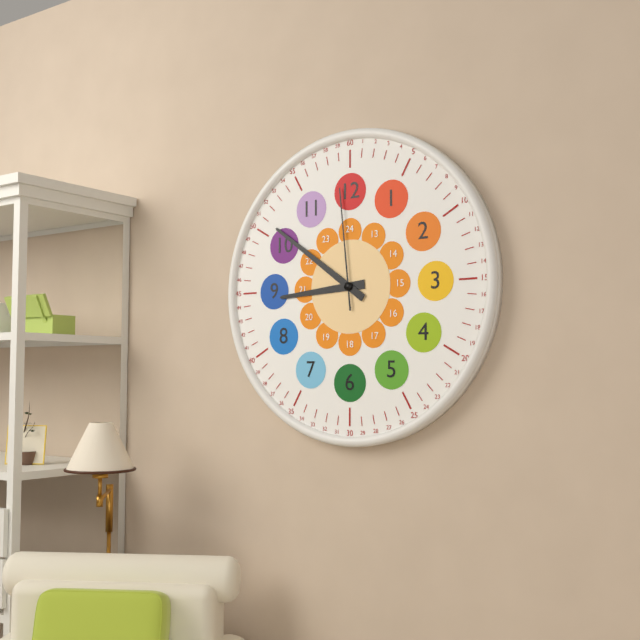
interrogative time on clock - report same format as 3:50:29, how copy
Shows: 8:51:59
